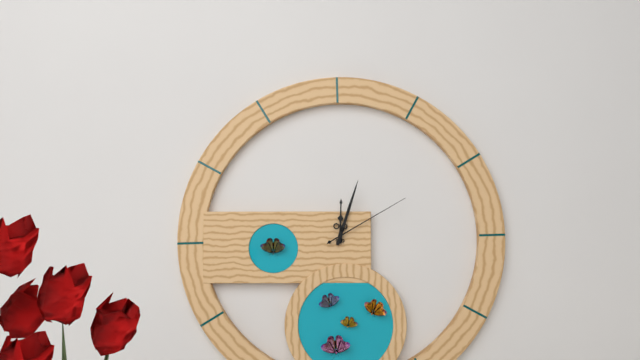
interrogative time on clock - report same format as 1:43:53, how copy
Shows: 12:03:10
